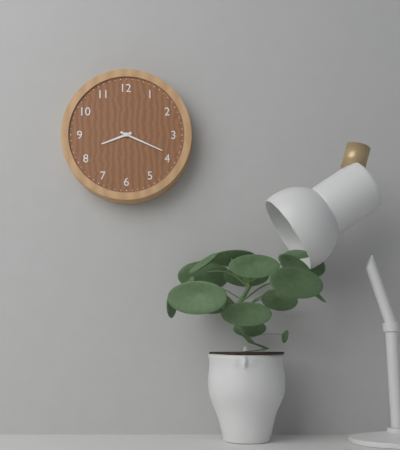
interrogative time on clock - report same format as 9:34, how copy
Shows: 8:19
